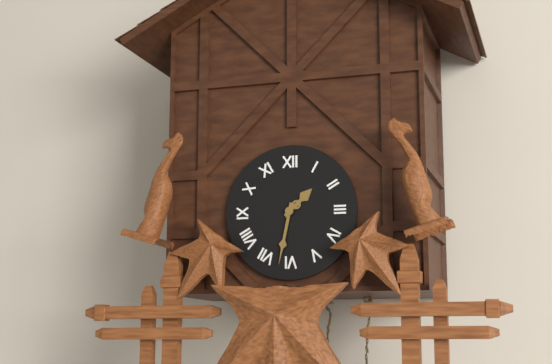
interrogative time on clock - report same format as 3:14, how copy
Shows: 1:32
